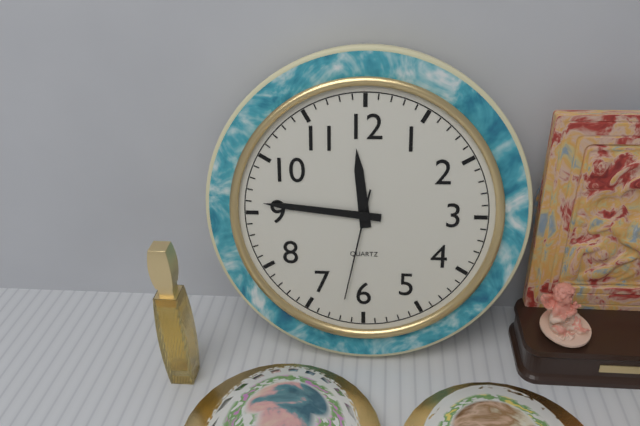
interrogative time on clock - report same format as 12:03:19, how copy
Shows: 11:46:32
